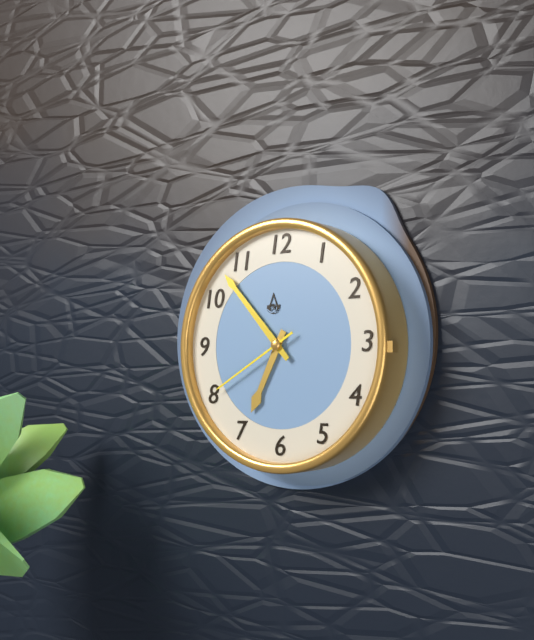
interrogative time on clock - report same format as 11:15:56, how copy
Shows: 6:53:40
